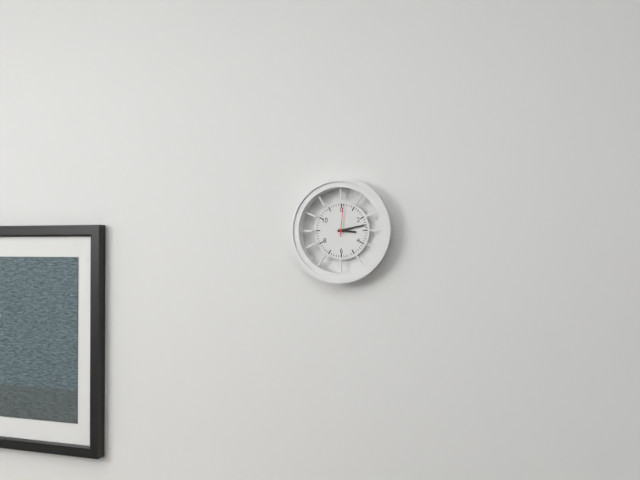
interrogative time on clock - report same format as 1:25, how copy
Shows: 3:13
